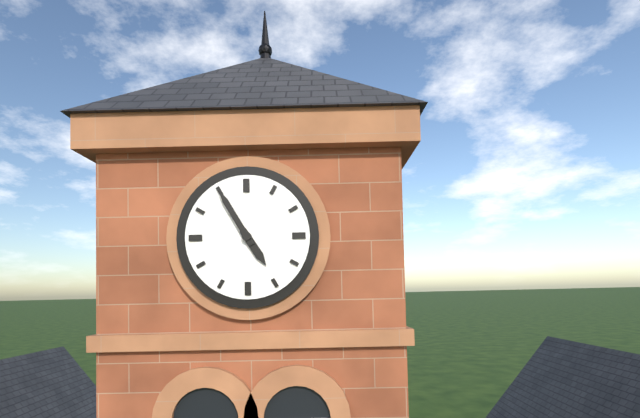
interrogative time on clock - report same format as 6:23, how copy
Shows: 4:55
